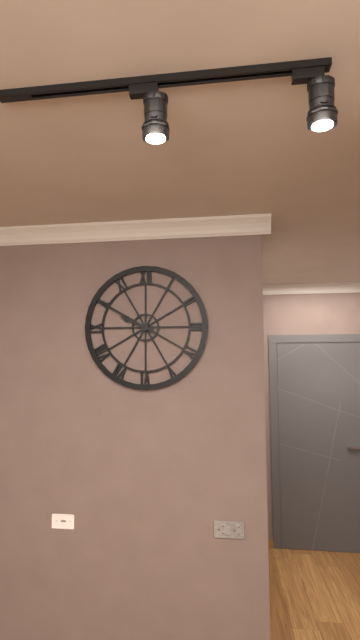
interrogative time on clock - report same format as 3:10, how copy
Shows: 9:50
